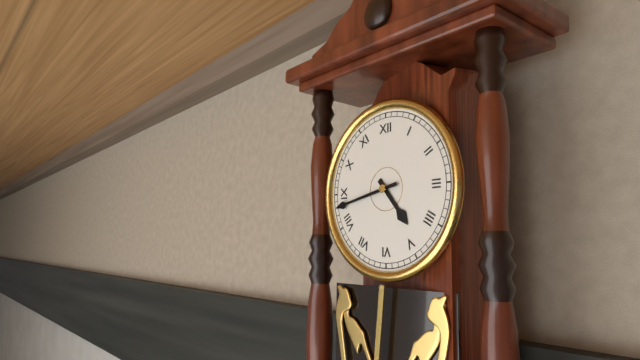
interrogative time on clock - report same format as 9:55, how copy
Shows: 4:43
